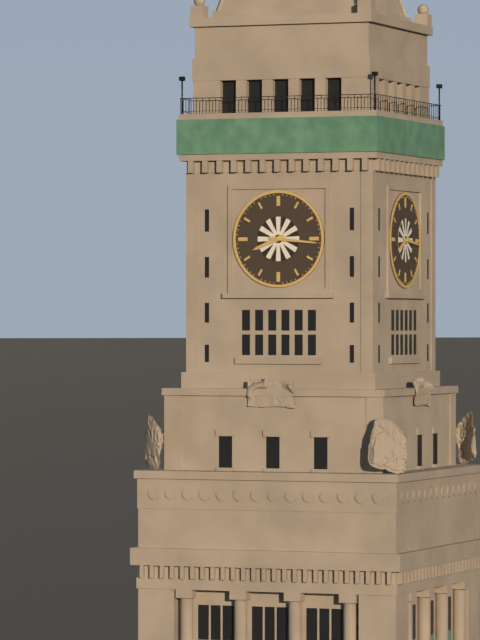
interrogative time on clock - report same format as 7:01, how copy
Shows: 8:16
